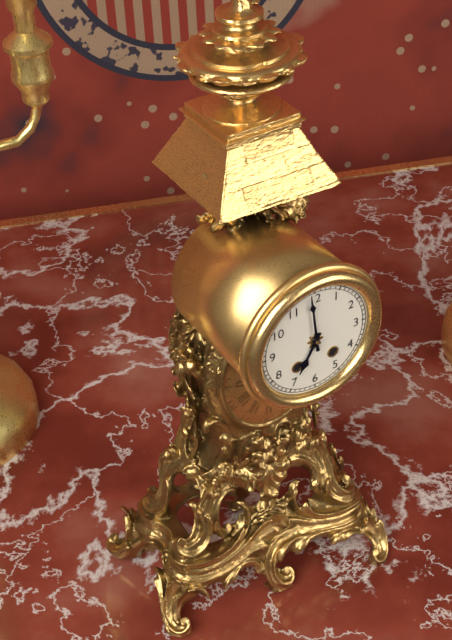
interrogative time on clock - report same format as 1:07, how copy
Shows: 6:59
